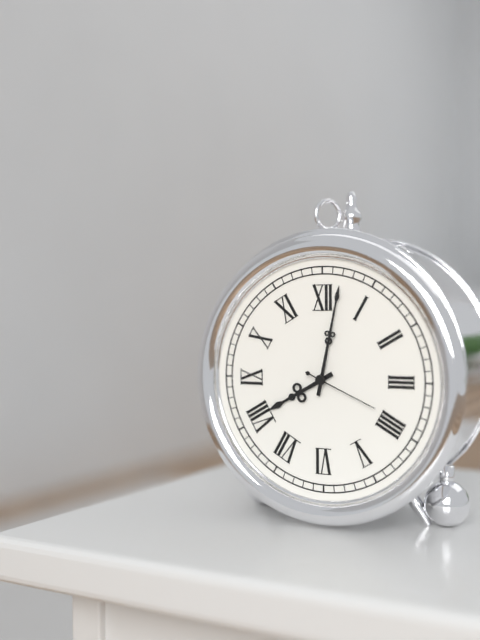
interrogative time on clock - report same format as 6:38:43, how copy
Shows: 8:02:19
